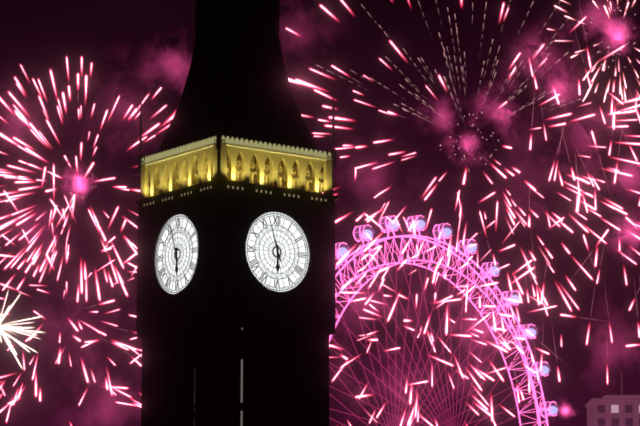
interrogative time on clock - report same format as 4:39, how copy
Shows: 5:57
